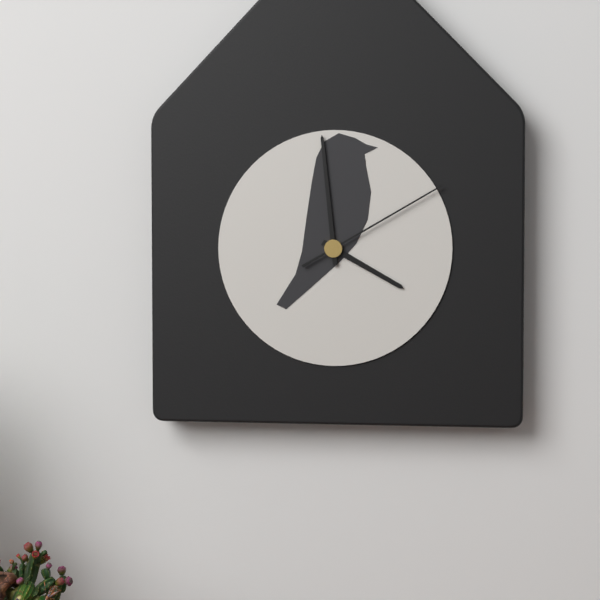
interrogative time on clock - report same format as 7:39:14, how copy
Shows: 3:59:10
